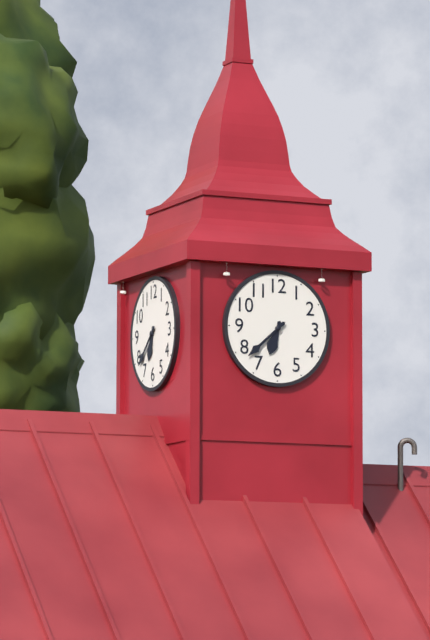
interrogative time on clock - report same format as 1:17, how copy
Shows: 6:38
